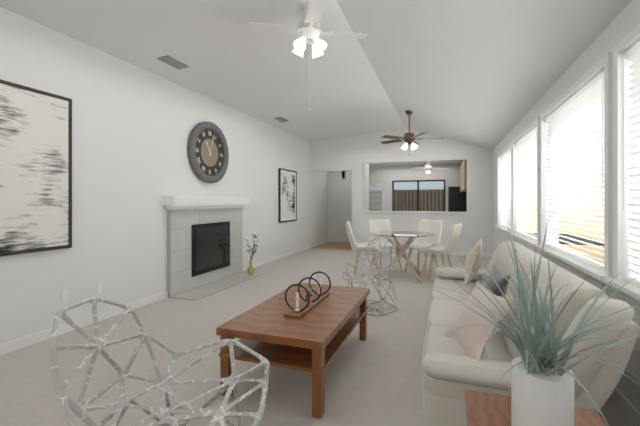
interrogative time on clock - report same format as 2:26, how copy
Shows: 11:03
